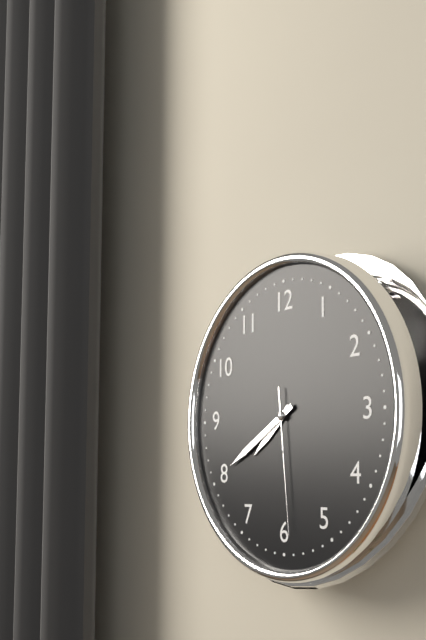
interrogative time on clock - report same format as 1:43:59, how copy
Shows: 7:40:29
